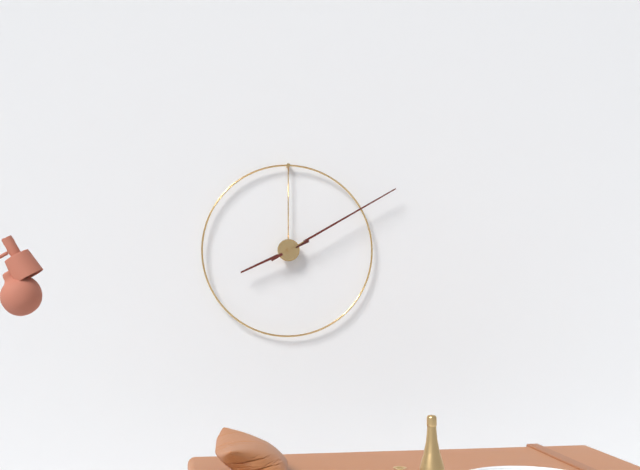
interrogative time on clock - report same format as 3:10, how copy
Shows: 8:10
